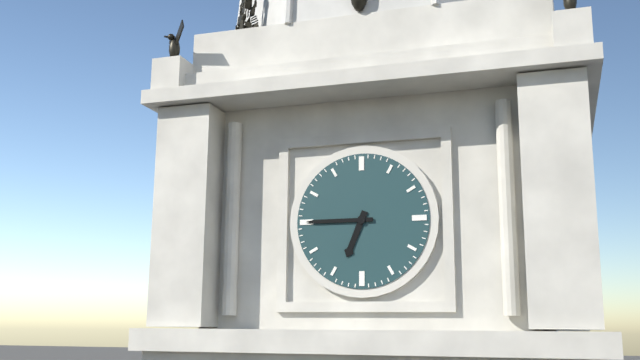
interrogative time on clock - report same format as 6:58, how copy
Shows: 6:45
